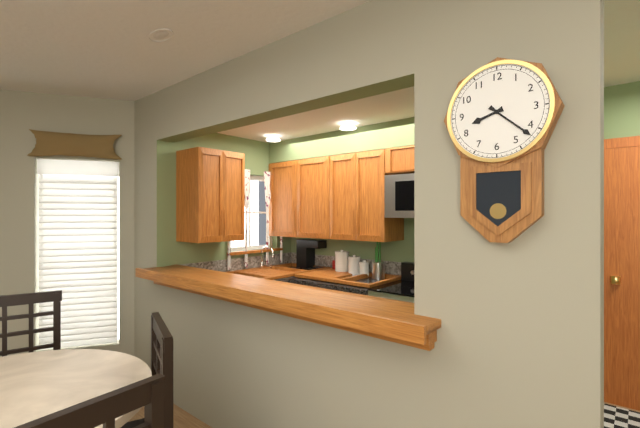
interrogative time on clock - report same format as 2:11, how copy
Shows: 8:22
